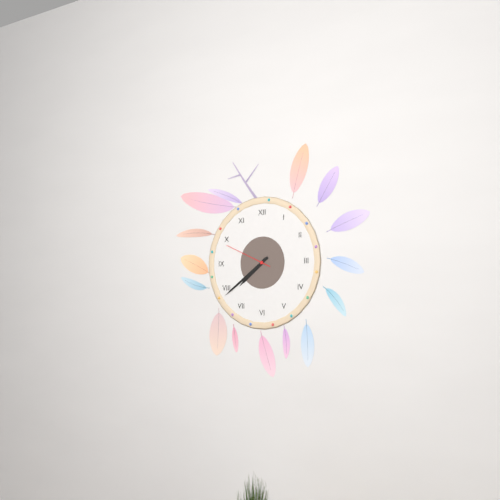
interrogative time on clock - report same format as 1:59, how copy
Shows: 7:39
